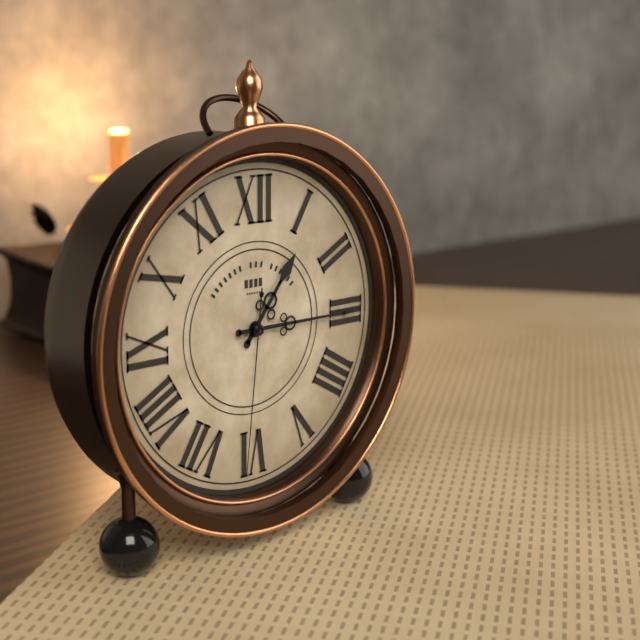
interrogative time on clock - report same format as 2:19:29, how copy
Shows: 1:15:31
